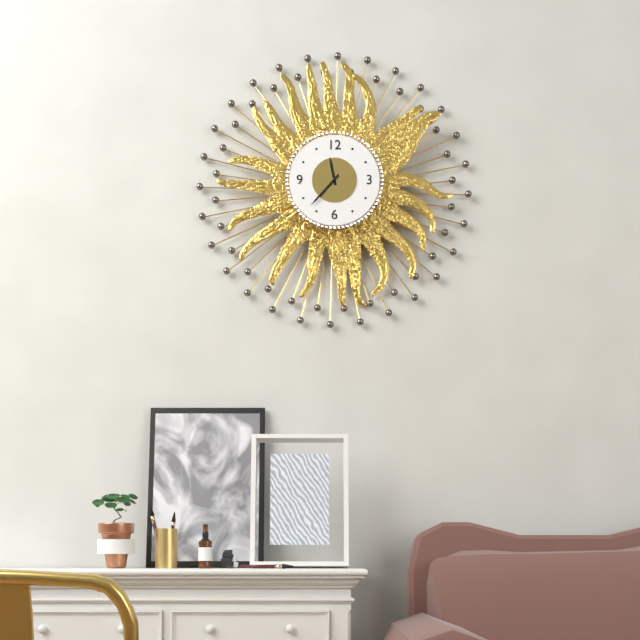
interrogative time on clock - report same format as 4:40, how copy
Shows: 11:37
